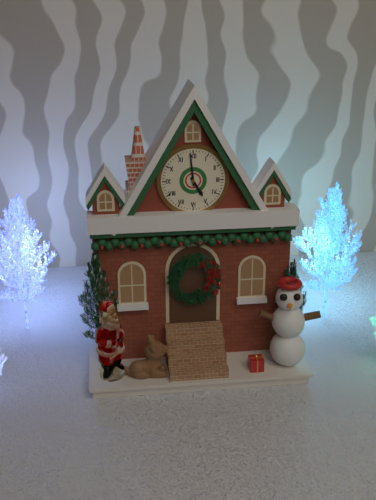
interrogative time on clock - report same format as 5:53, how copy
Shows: 4:59
